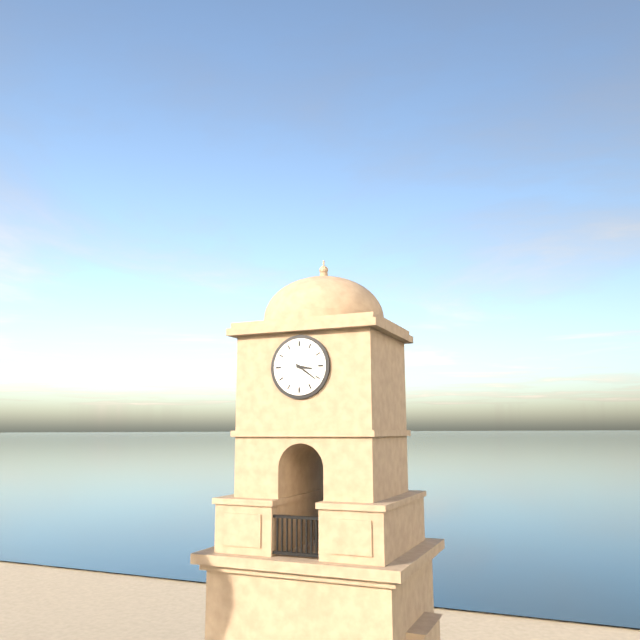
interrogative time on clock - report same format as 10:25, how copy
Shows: 3:21
